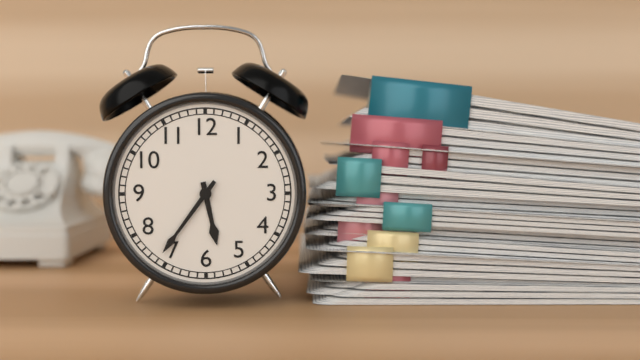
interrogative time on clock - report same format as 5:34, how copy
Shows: 5:36
